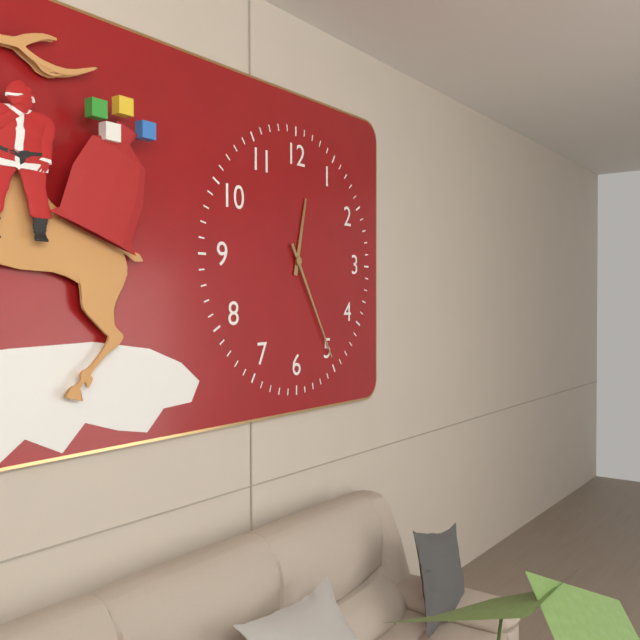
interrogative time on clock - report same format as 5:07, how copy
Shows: 12:25
